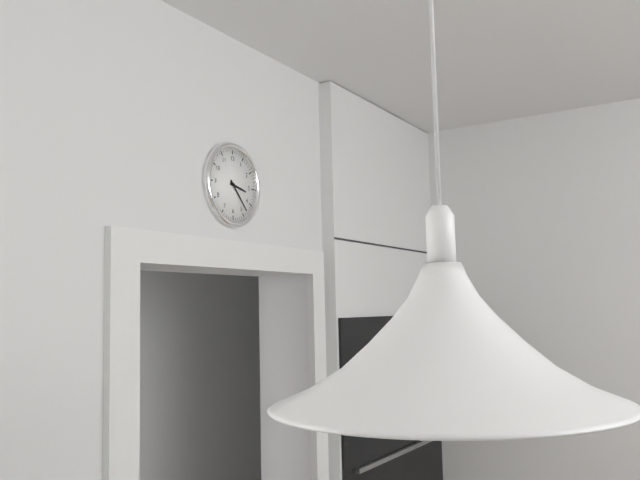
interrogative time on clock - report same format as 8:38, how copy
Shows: 3:23
